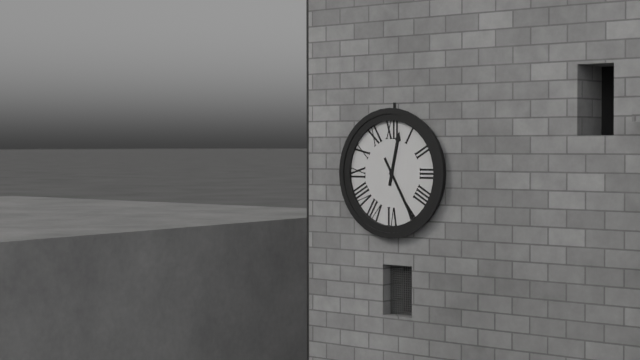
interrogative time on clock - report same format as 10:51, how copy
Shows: 12:25
